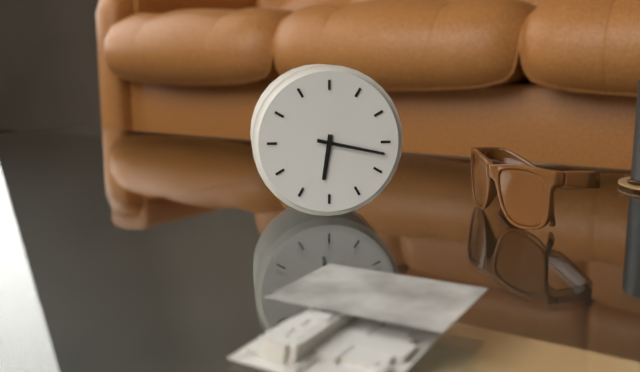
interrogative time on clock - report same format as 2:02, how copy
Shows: 6:17
